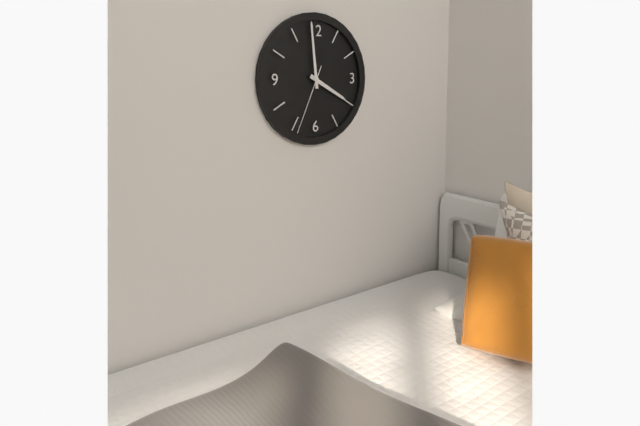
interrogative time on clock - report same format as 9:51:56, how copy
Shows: 3:59:34
